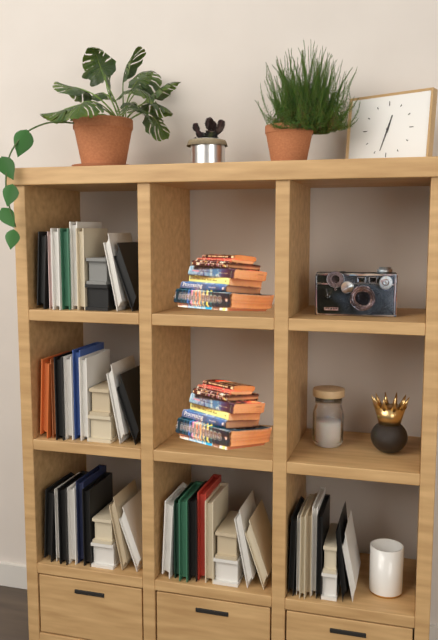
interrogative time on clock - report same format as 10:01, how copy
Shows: 12:33
